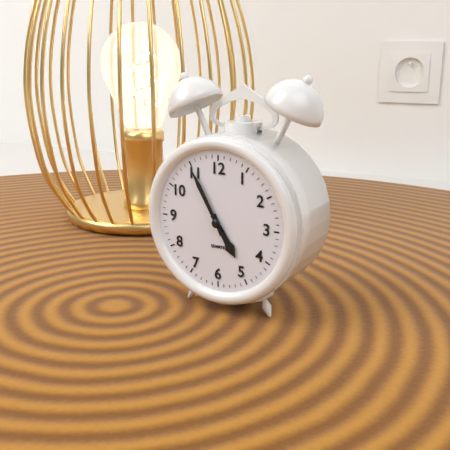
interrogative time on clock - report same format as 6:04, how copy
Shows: 4:55
